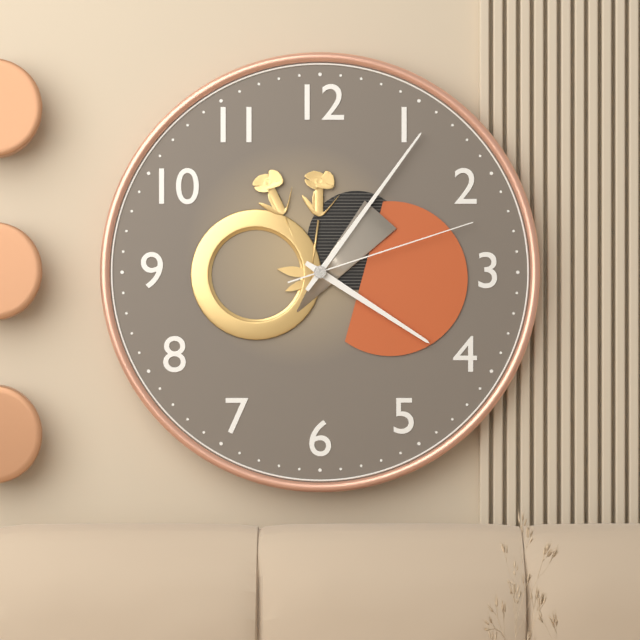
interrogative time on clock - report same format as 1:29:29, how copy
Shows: 4:06:12
